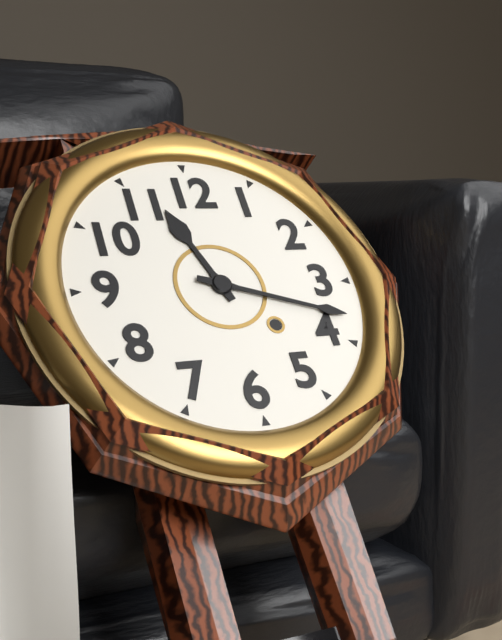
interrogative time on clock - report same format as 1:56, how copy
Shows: 11:18
